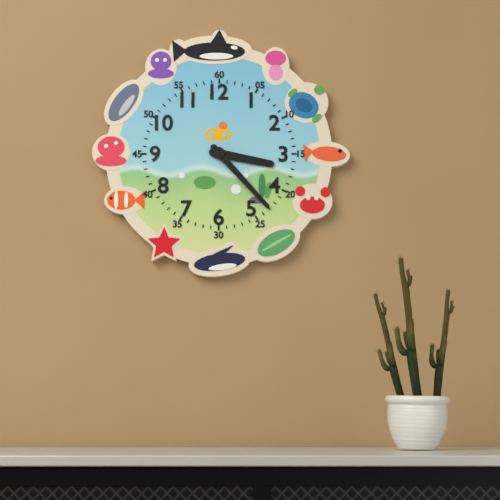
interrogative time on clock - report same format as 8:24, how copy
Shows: 3:23
